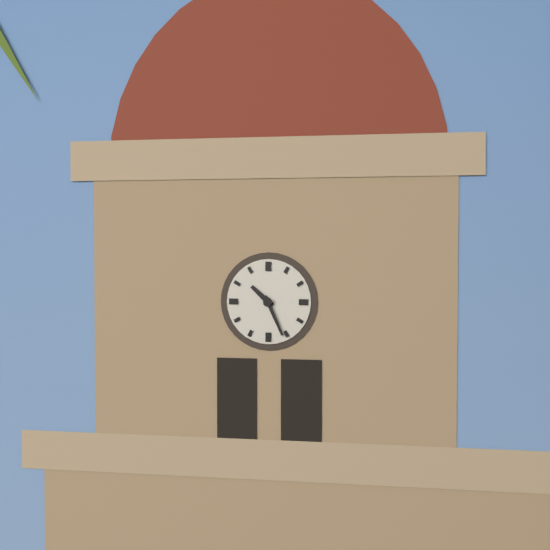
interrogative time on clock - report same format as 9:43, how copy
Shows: 10:26
